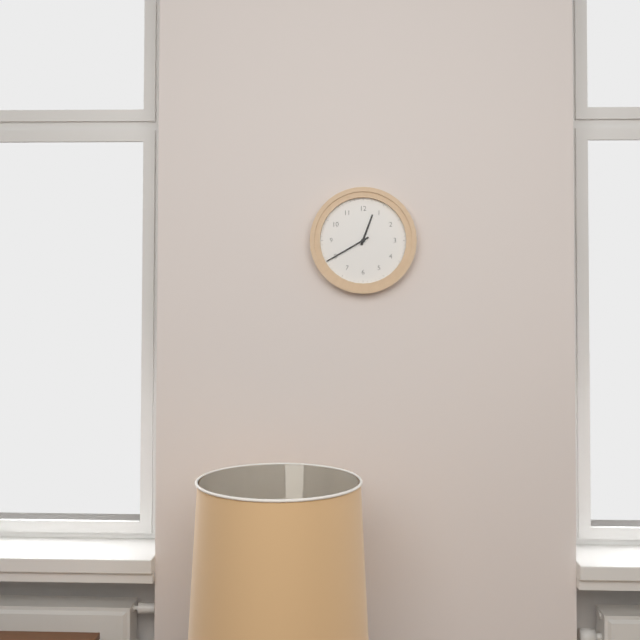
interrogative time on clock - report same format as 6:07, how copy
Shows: 12:40
